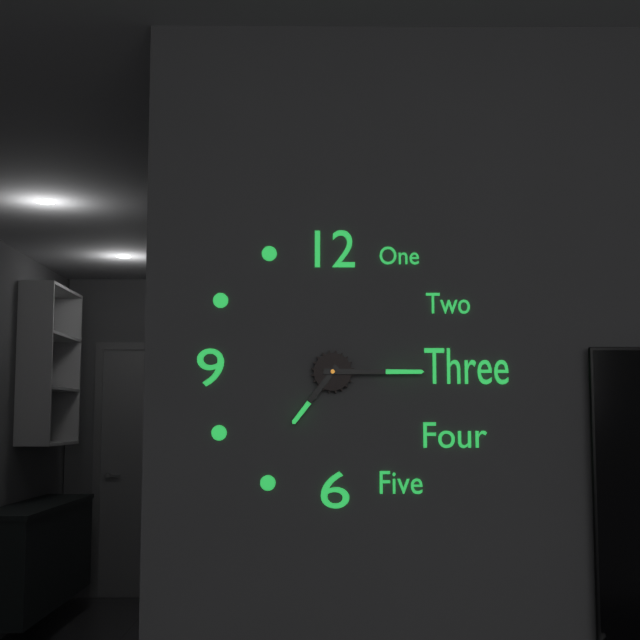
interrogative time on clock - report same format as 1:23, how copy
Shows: 7:15
